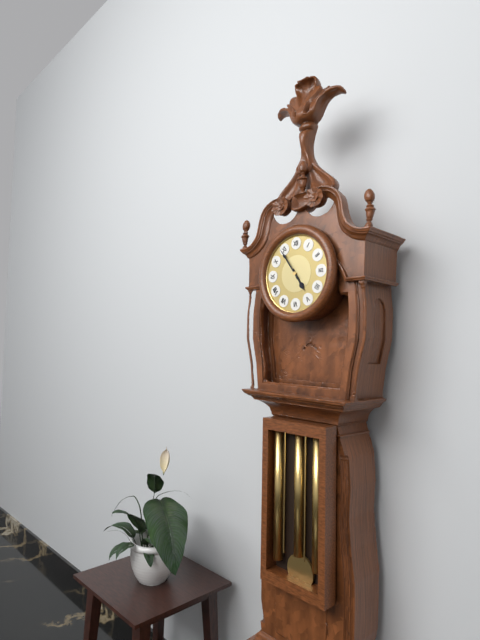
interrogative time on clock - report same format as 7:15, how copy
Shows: 4:54
